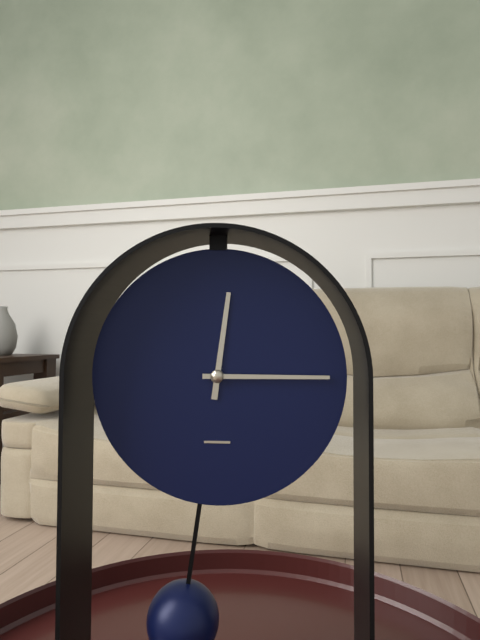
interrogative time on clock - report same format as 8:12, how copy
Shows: 12:15
